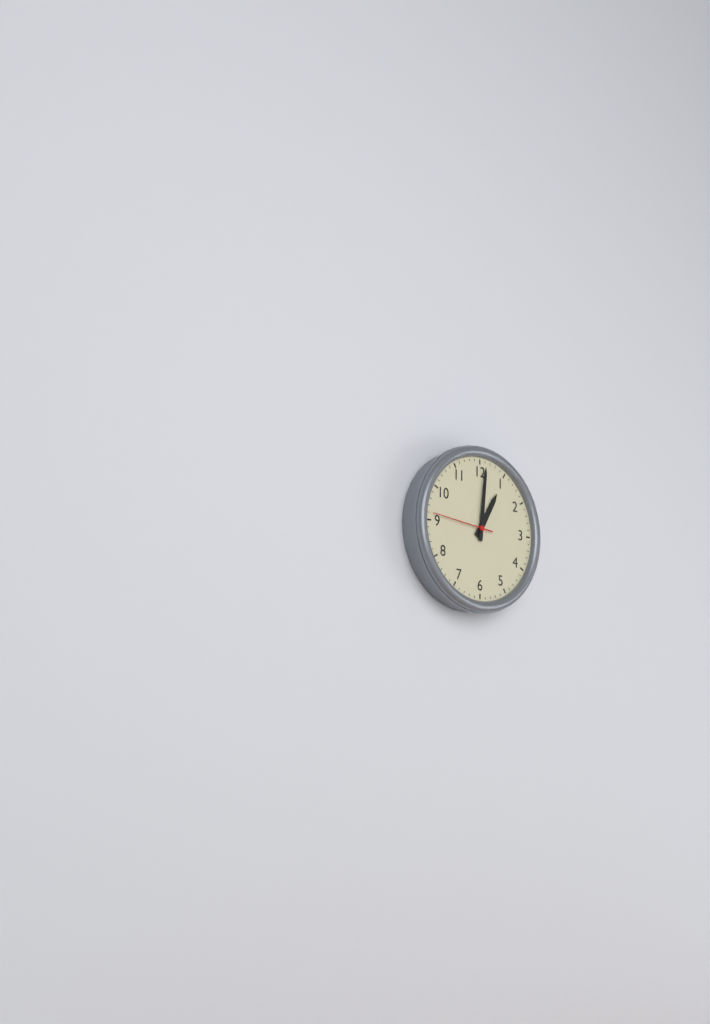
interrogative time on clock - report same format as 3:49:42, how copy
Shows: 1:01:46
